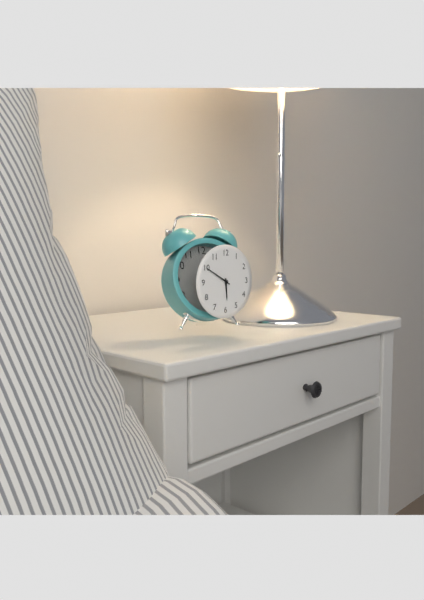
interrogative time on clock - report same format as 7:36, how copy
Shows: 5:50
